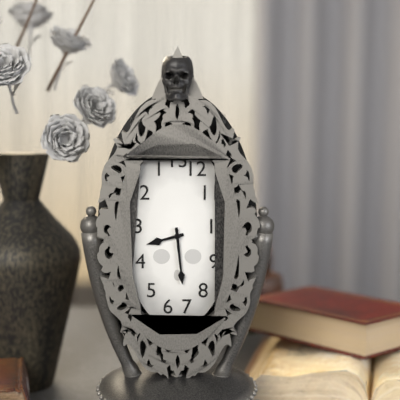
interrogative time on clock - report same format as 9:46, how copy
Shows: 8:29
